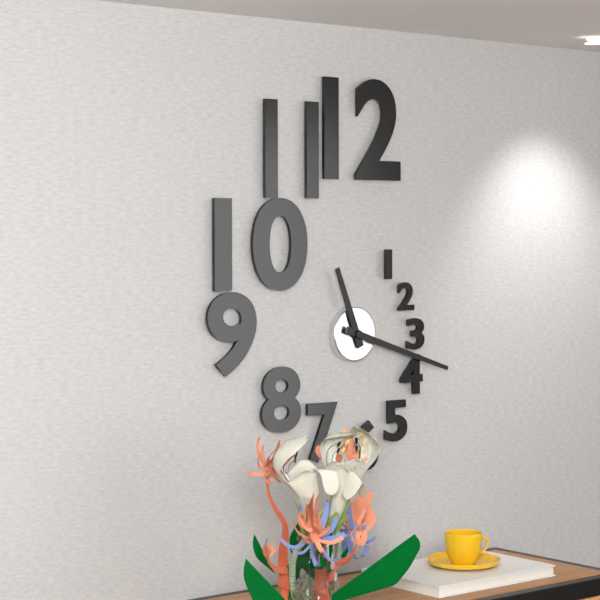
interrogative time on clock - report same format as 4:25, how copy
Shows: 11:18
